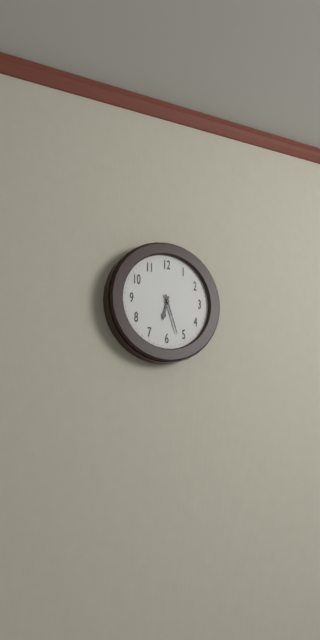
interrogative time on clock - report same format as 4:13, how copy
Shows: 6:27
